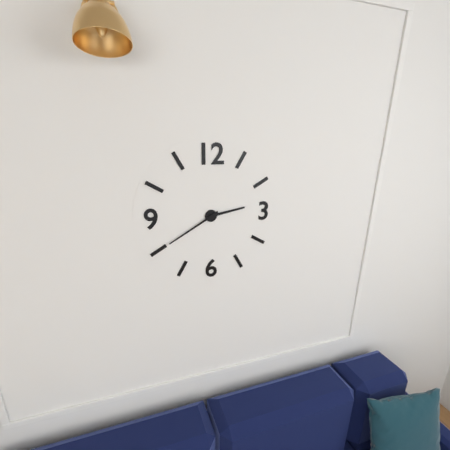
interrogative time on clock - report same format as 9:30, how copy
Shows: 2:40
